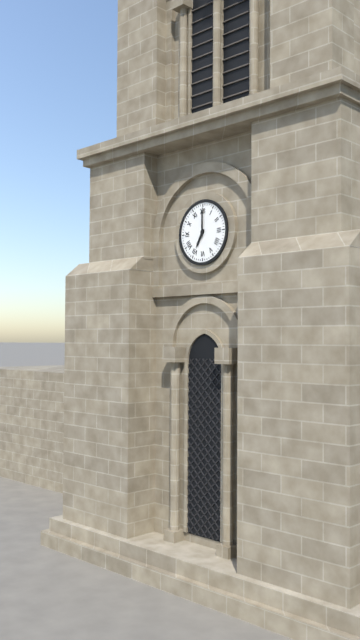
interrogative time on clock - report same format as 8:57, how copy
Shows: 7:00
